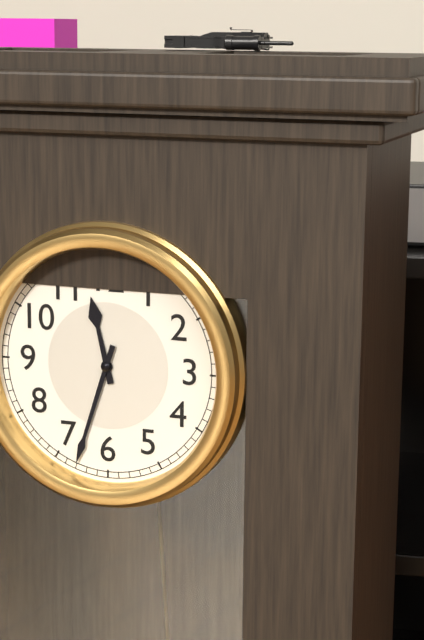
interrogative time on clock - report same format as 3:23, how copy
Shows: 11:33
